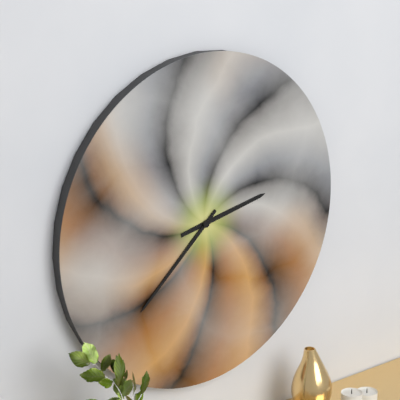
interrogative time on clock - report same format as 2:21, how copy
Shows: 2:38
